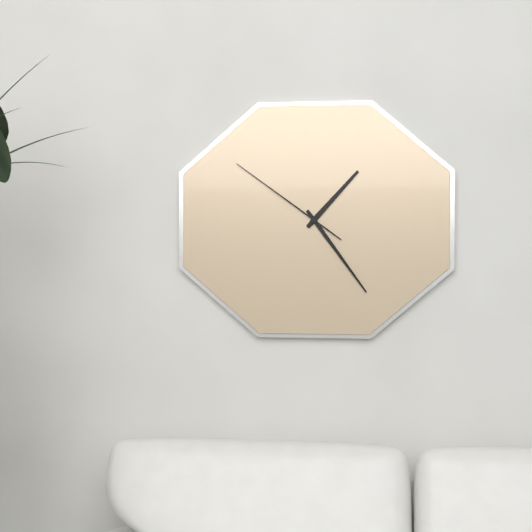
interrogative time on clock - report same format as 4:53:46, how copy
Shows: 1:24:51
